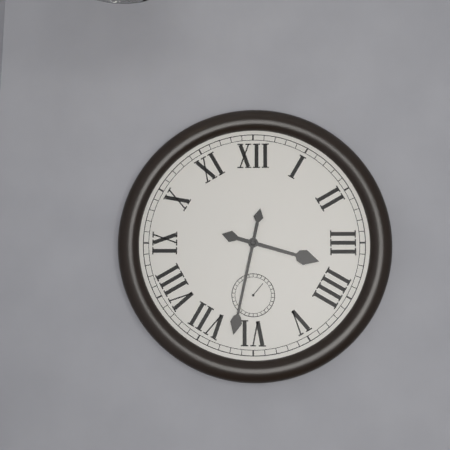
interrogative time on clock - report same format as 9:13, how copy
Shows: 3:32
